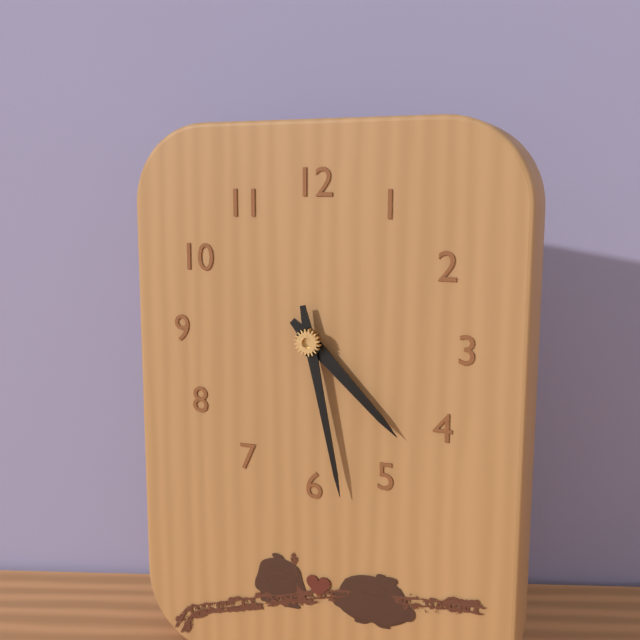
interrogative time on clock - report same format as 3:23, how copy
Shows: 4:28
